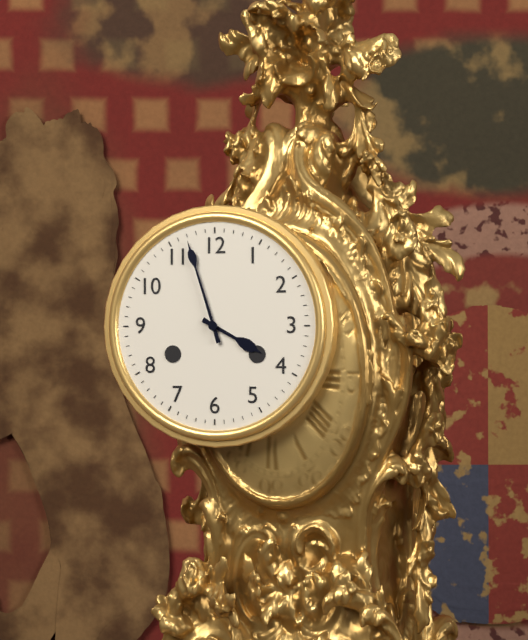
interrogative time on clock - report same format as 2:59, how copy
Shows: 3:57
